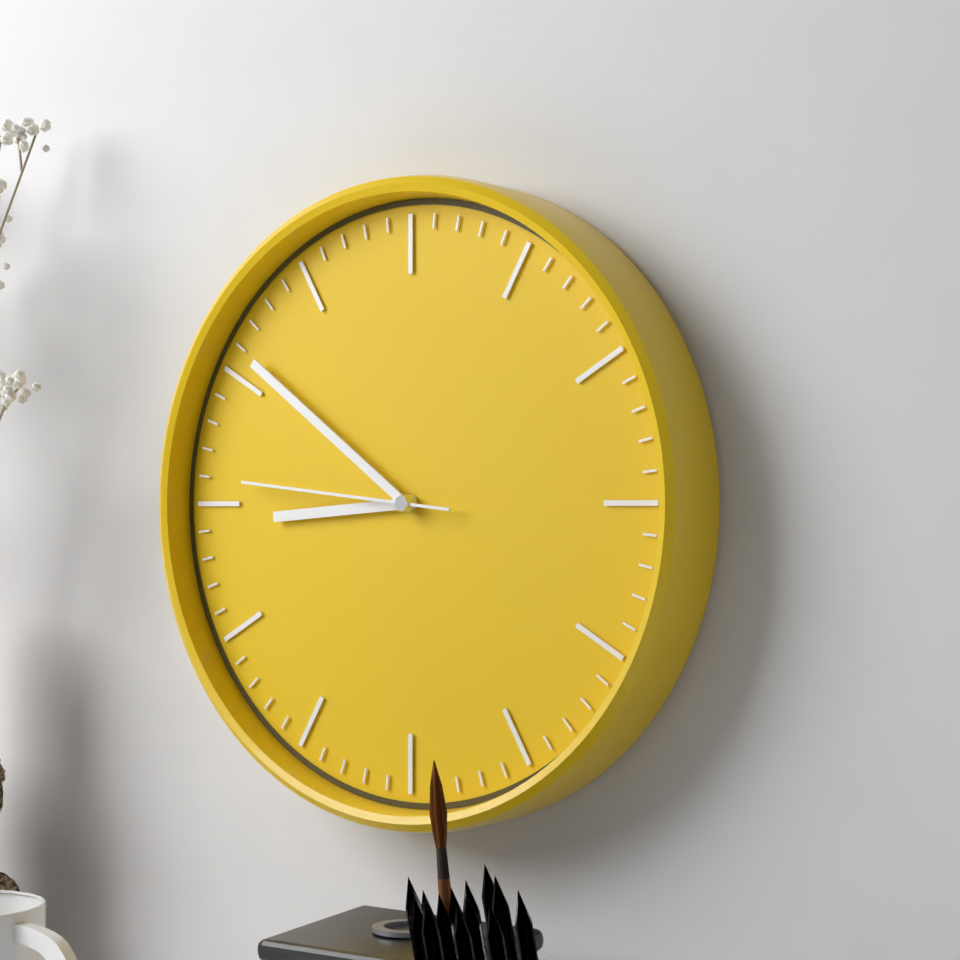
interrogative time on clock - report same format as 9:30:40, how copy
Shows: 8:51:46
